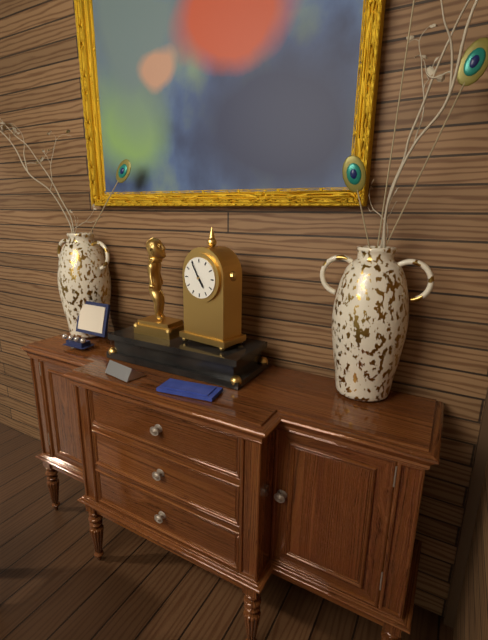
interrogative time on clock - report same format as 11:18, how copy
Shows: 4:55
